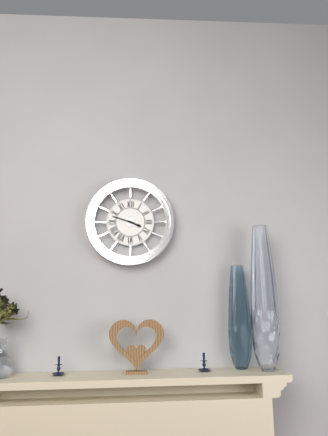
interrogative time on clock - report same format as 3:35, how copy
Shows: 3:48
